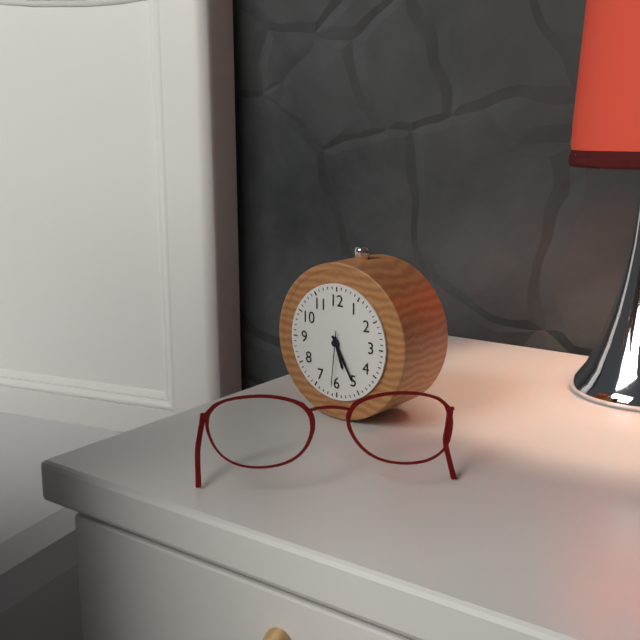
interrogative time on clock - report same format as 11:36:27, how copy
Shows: 5:25:31
